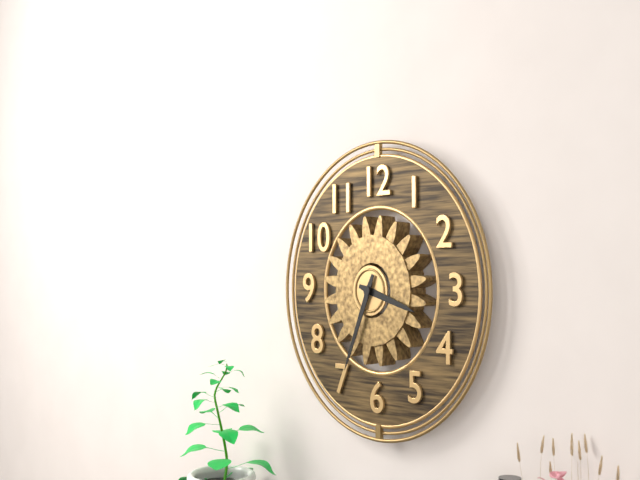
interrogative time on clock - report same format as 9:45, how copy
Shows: 3:34
